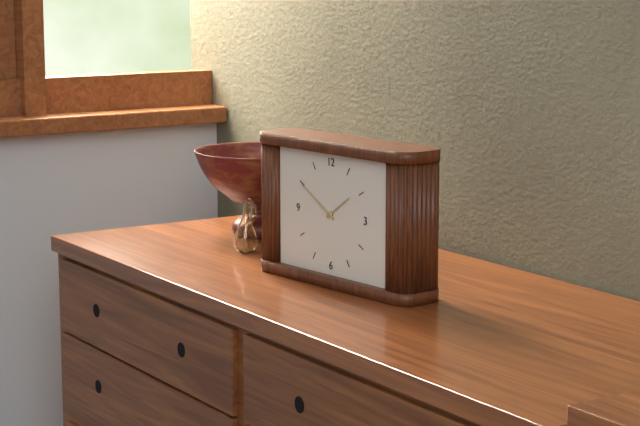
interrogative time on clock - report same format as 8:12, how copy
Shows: 1:50
